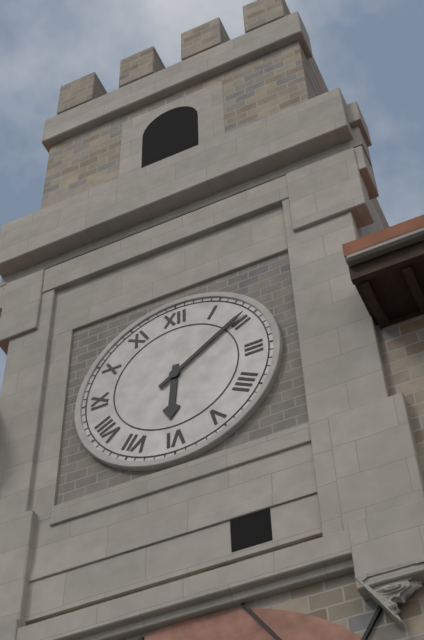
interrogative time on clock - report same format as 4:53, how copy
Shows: 6:09
